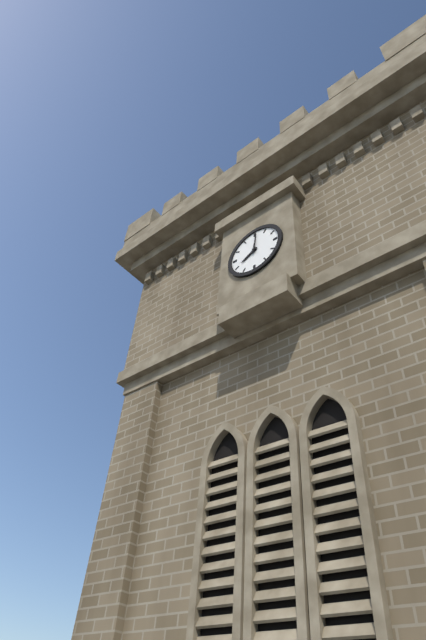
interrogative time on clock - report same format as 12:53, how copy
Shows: 8:01
